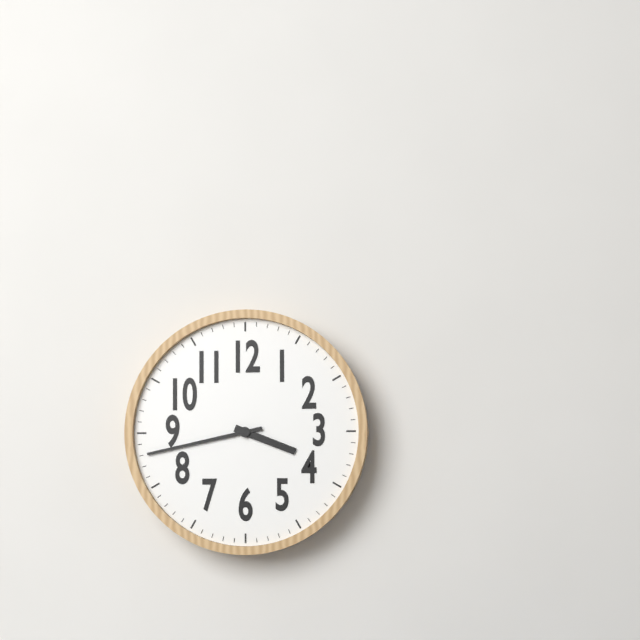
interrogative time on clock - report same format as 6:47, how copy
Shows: 3:43
